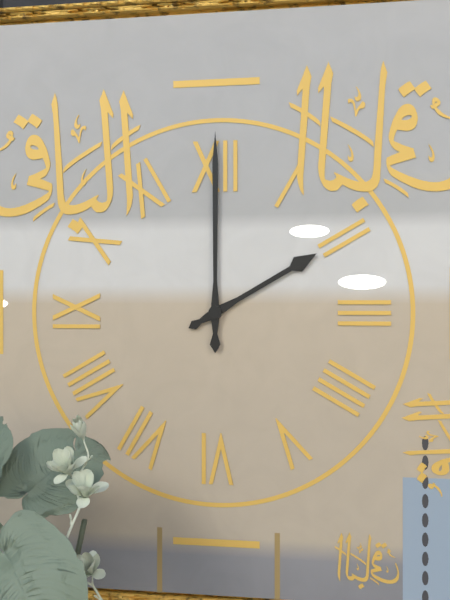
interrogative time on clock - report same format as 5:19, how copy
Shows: 2:00
